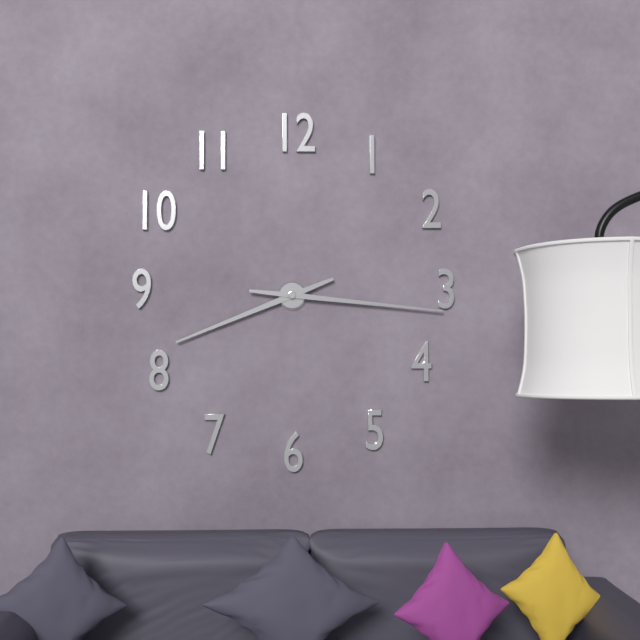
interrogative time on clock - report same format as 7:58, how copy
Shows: 8:16
